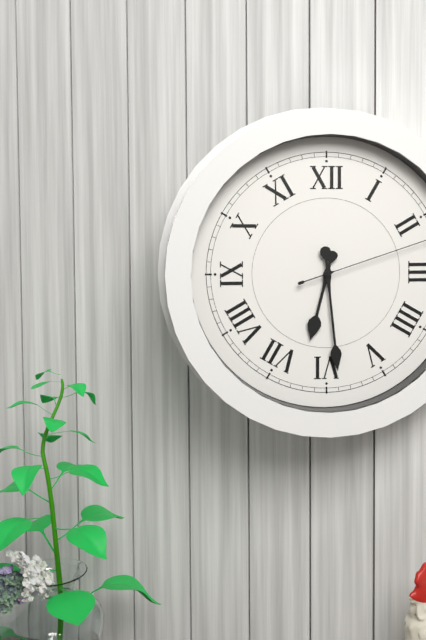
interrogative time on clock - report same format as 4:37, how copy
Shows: 6:29
